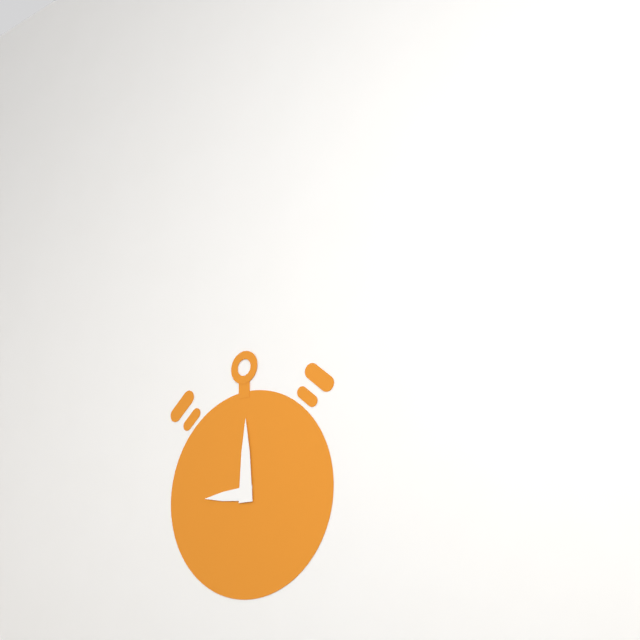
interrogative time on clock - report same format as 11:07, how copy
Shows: 9:00
